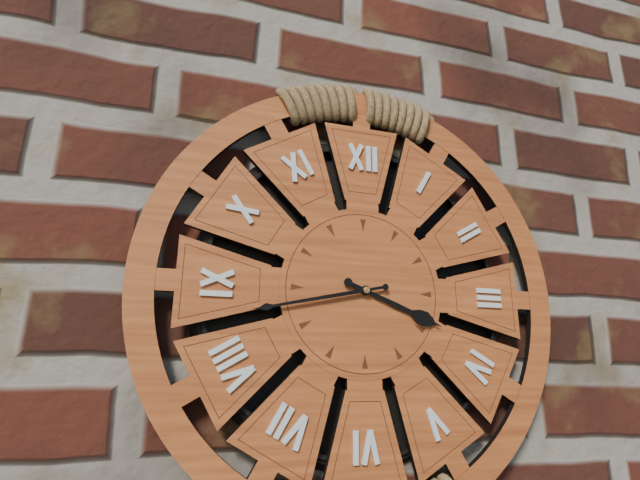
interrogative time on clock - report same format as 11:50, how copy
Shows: 3:43
